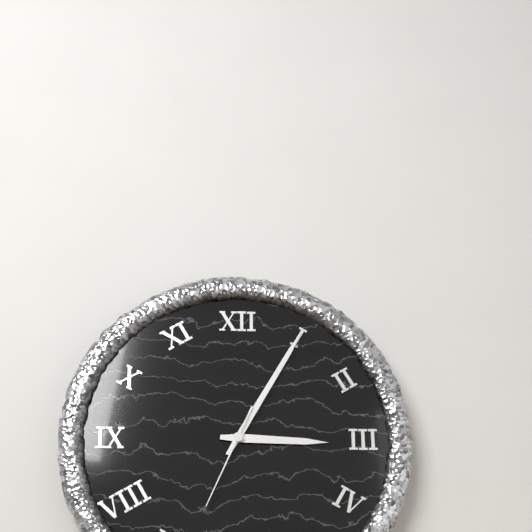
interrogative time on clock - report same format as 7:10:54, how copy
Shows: 3:05:34
